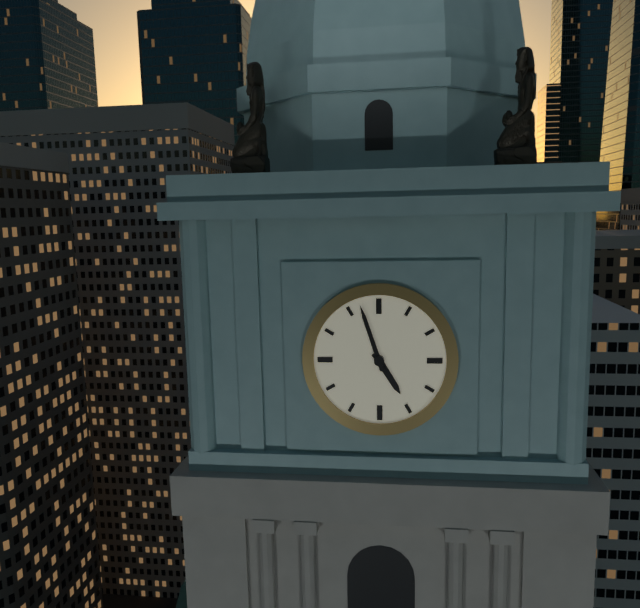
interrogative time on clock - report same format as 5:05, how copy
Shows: 4:57
